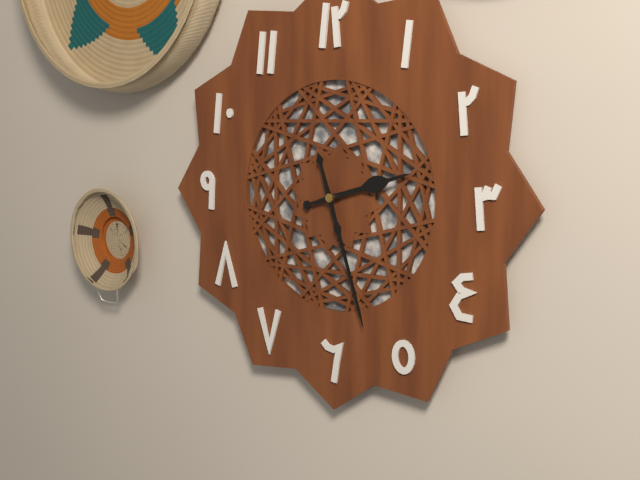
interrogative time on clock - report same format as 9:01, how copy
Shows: 2:27
